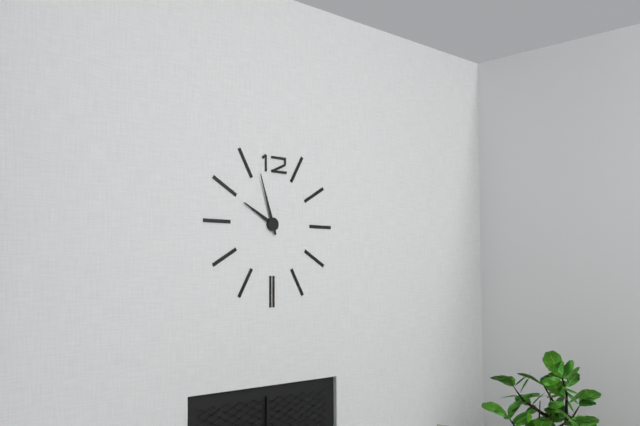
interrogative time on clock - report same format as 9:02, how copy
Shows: 9:57
